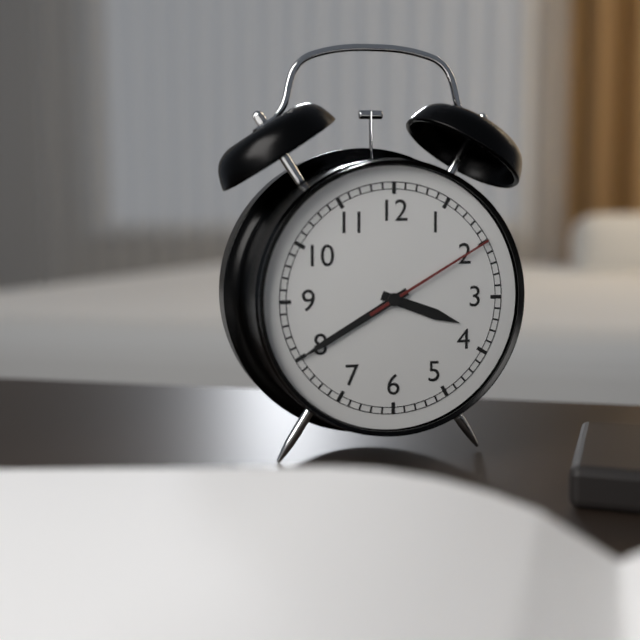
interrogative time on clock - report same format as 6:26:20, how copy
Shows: 3:40:10
